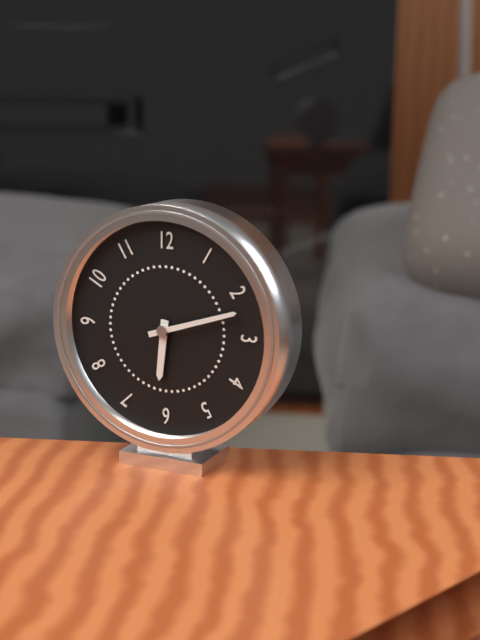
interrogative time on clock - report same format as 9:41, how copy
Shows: 6:12
